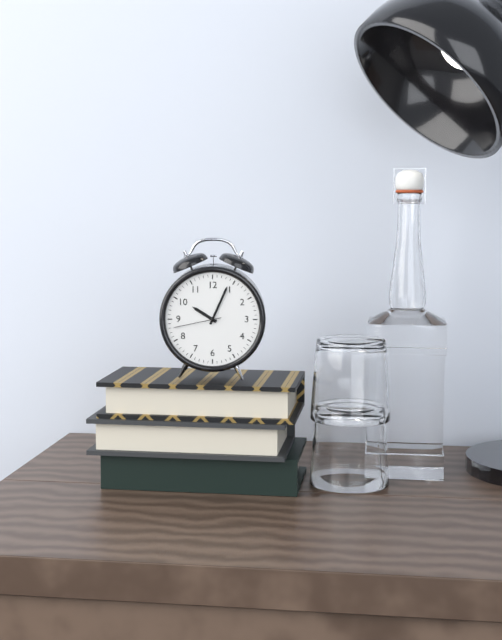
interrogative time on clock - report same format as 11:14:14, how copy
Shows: 10:04:43
